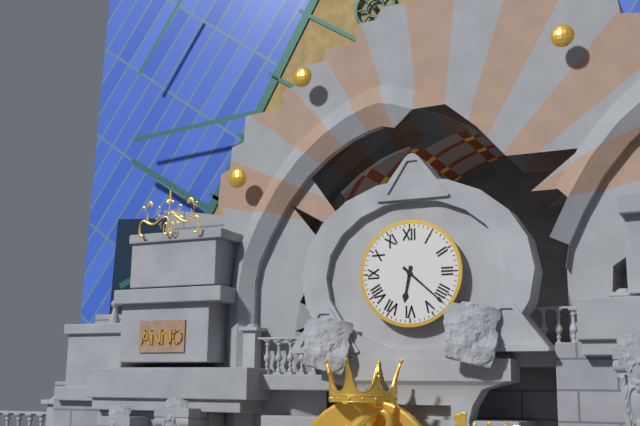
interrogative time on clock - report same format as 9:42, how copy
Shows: 6:22
